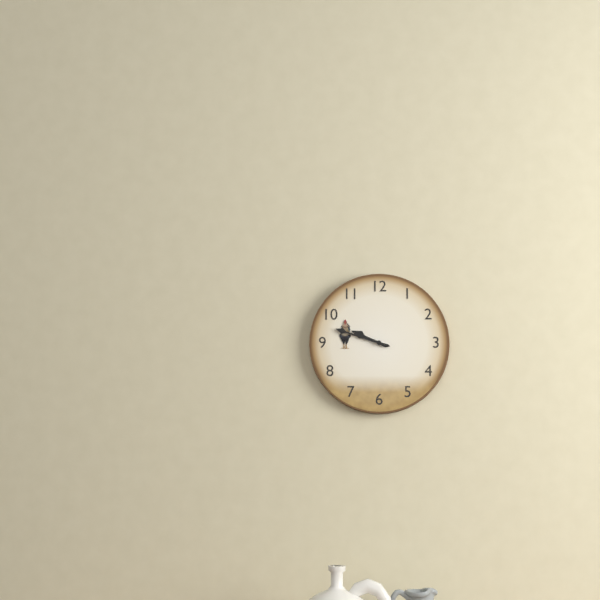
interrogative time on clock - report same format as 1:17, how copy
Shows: 9:48
